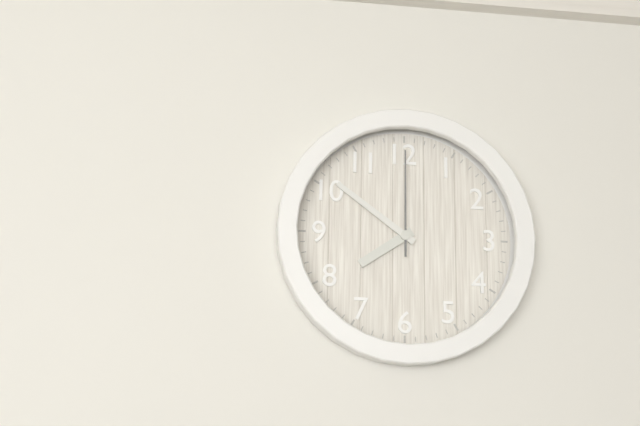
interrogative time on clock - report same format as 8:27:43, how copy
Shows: 7:51:00
